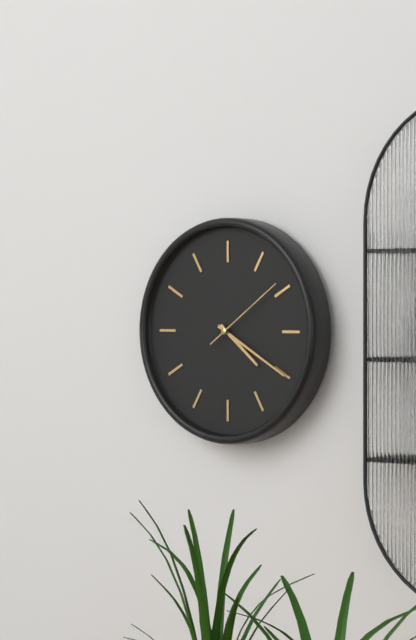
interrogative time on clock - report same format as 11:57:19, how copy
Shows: 4:20:09
